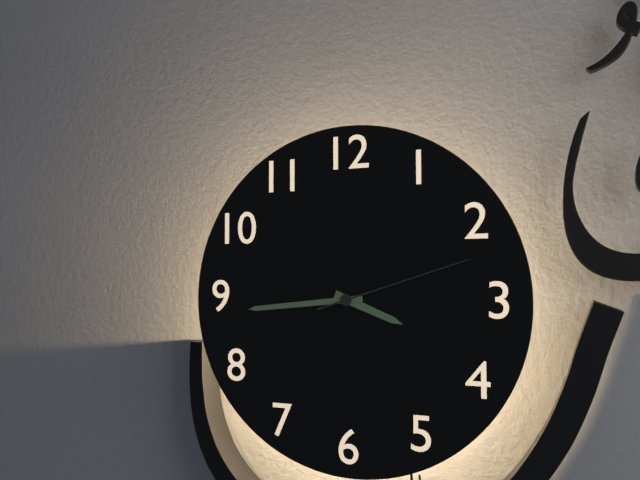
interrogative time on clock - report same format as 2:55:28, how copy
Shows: 3:44:12
